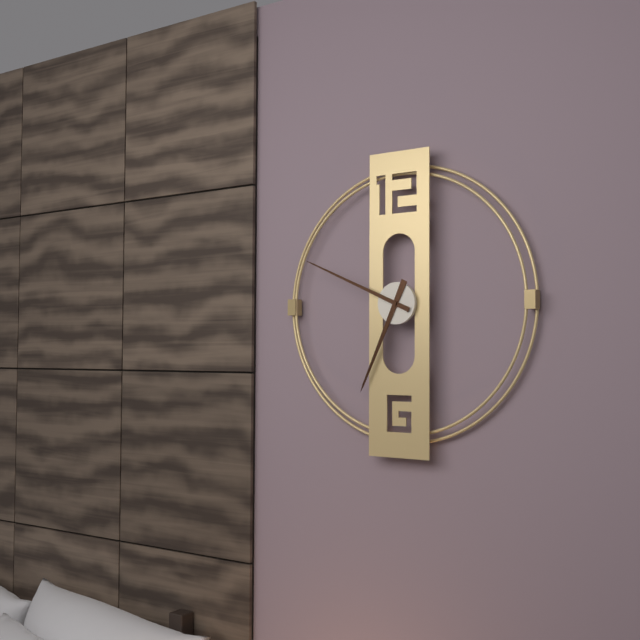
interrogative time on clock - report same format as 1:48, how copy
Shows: 6:49
